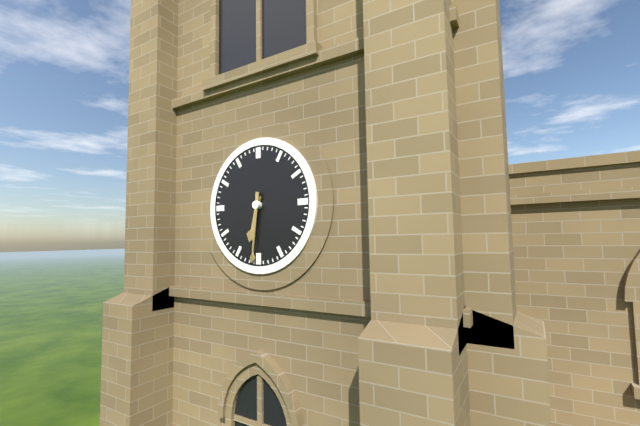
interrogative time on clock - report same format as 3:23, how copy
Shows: 6:31
